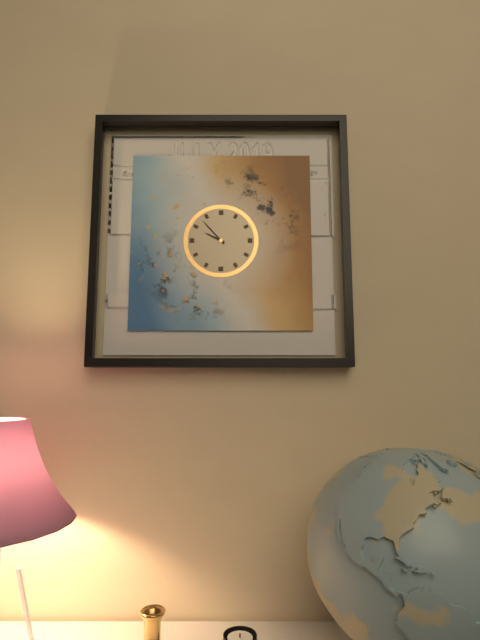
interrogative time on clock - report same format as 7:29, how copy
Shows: 9:53
